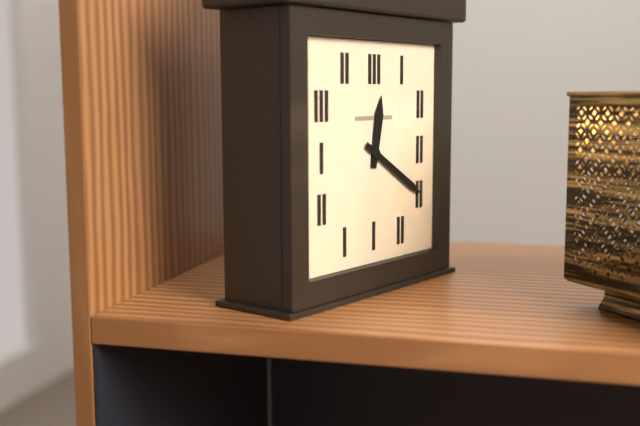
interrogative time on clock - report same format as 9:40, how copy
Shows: 12:20
